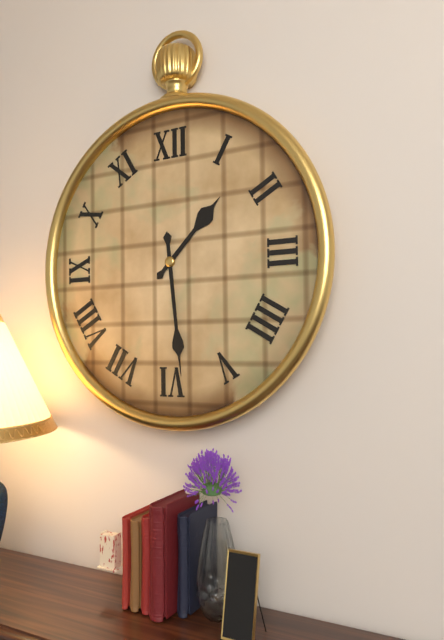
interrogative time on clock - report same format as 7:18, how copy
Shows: 1:29
